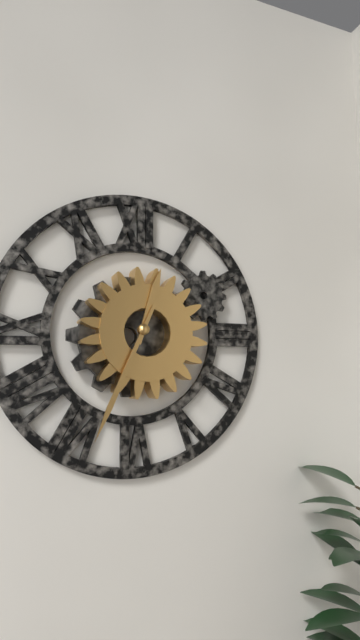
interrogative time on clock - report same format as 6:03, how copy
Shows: 12:34
